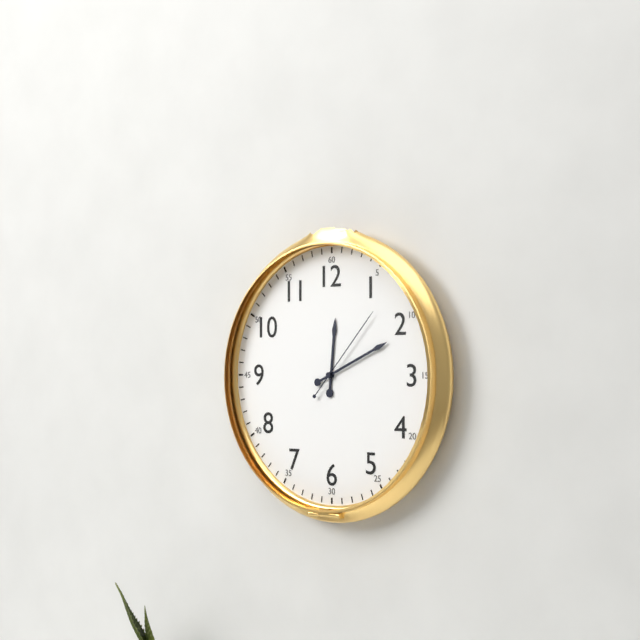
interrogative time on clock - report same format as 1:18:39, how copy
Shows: 12:11:07
